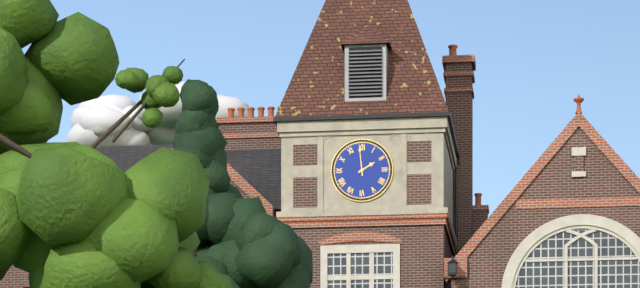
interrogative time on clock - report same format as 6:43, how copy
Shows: 1:59
